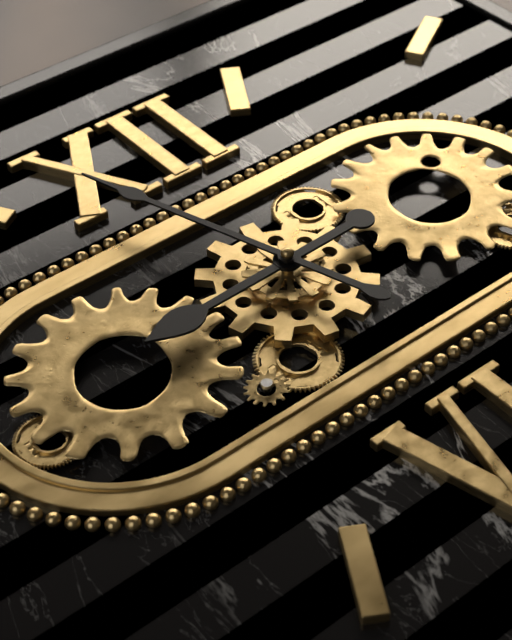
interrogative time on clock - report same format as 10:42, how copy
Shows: 8:57
